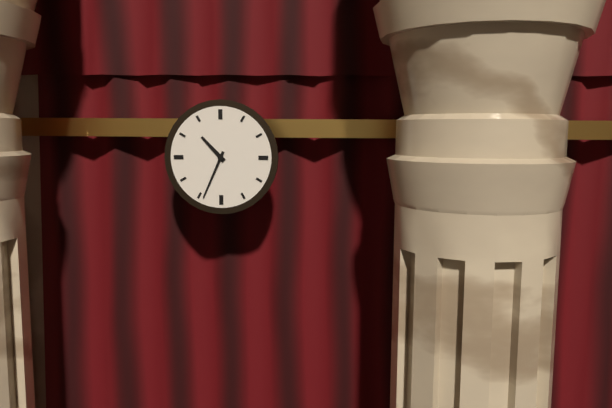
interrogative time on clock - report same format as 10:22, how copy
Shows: 10:34
